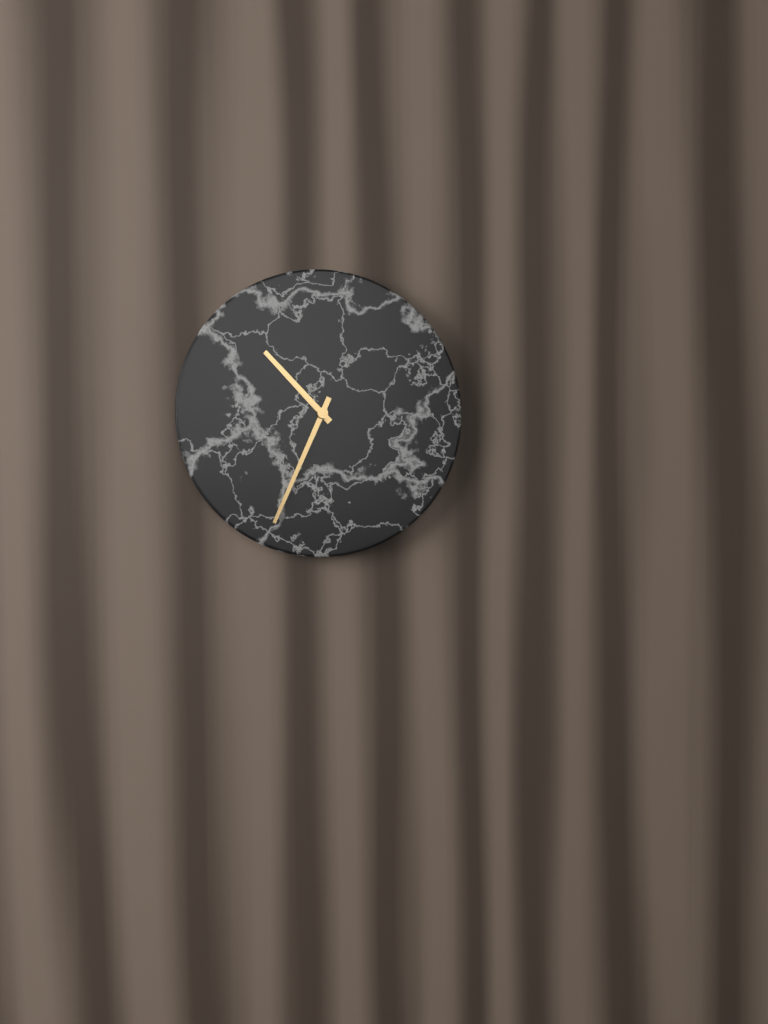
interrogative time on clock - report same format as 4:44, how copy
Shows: 10:34
